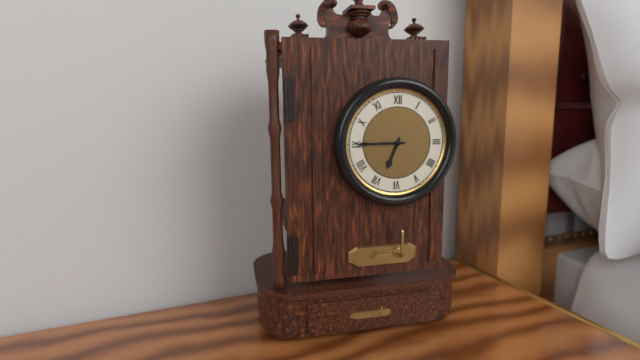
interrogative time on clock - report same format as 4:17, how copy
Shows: 6:45
